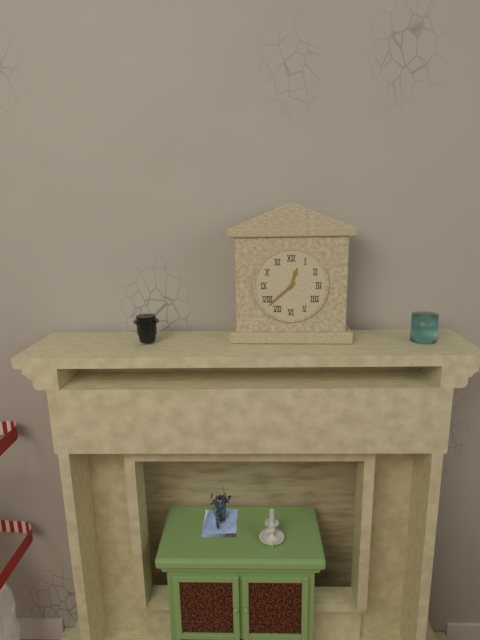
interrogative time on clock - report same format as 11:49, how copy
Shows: 12:38
